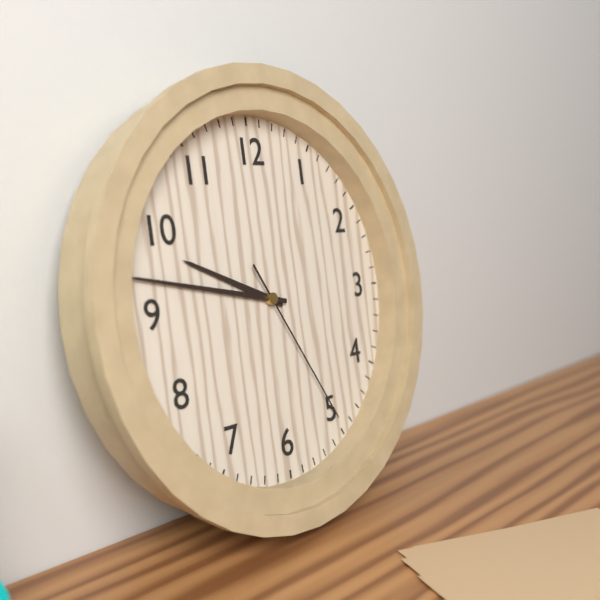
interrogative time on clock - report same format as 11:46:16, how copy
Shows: 9:47:25
